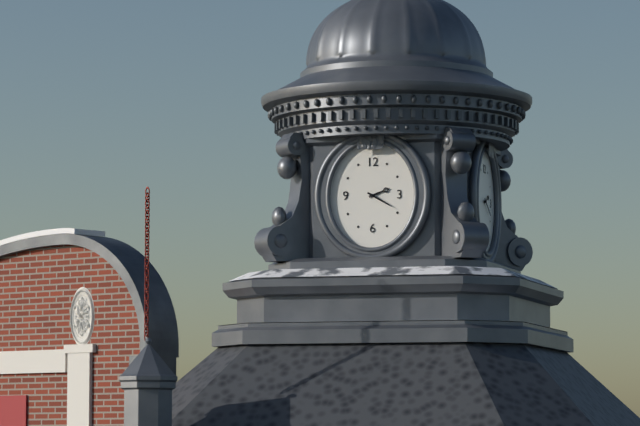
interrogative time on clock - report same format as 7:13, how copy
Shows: 2:20
